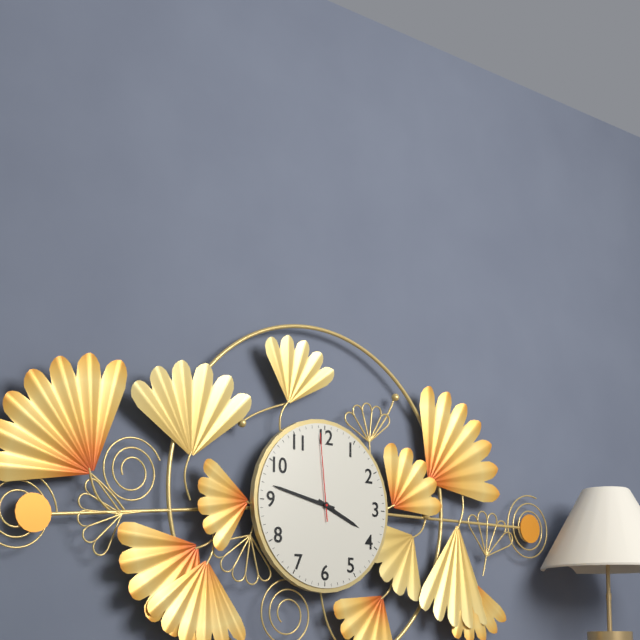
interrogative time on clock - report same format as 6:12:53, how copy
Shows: 3:47:59
